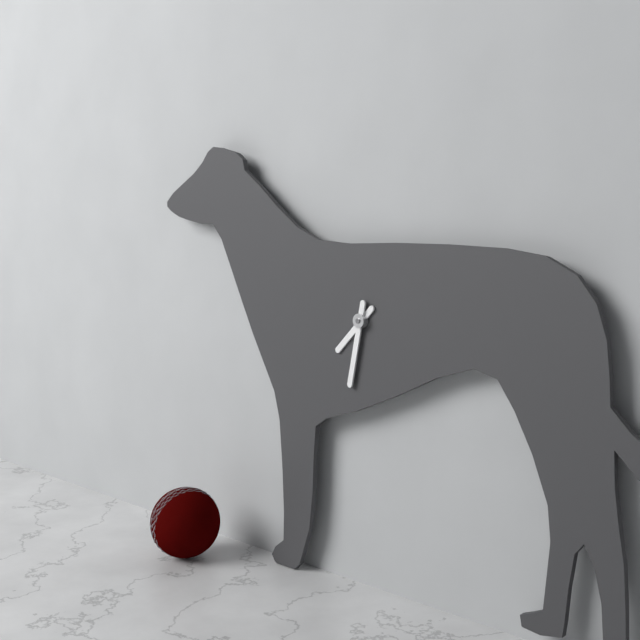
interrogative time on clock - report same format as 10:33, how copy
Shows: 7:32
